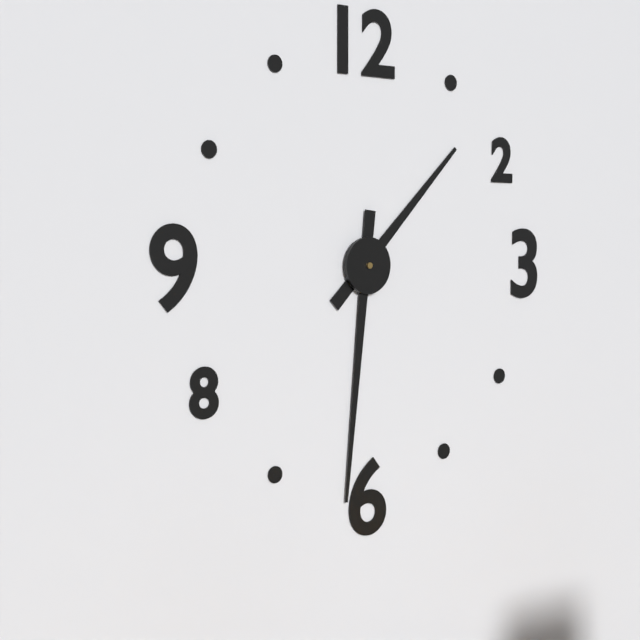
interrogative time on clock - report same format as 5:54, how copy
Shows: 1:31
